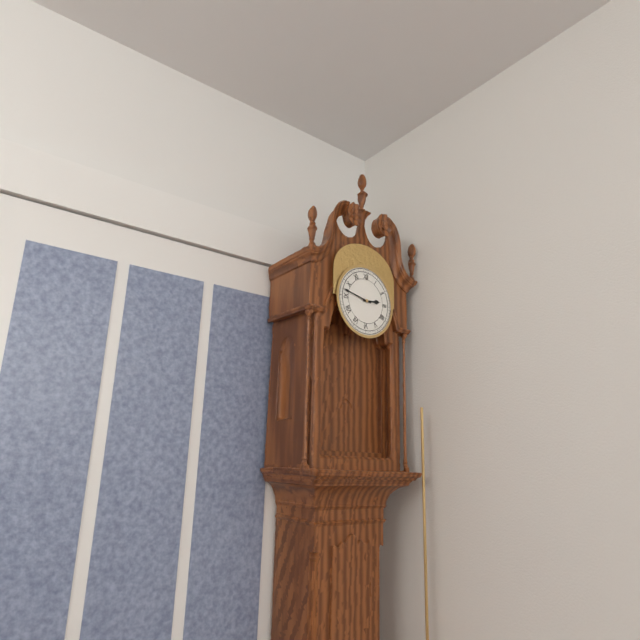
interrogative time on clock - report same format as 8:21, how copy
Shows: 2:47
